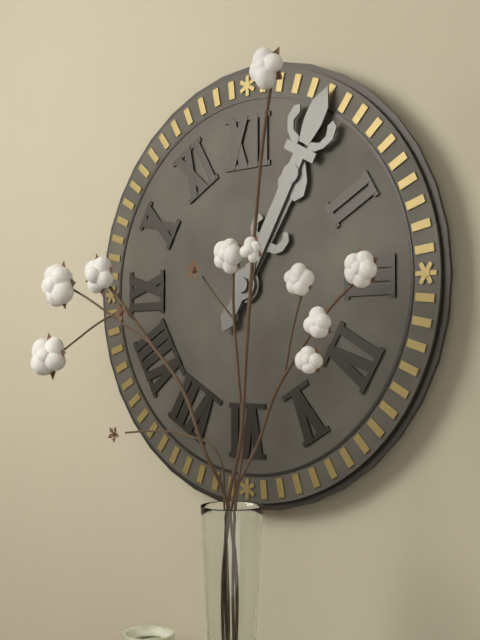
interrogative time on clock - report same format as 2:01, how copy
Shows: 1:05
